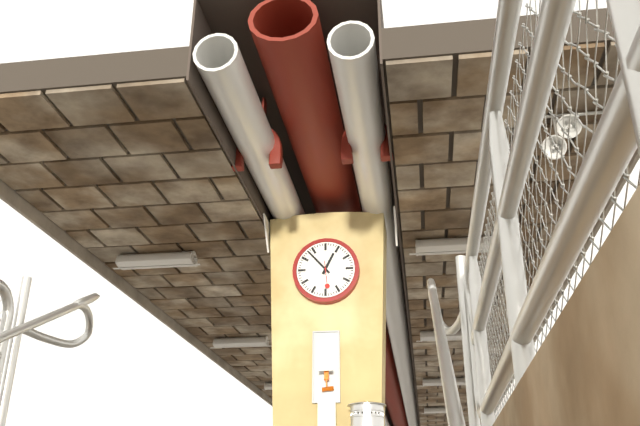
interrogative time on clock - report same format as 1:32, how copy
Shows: 12:53
